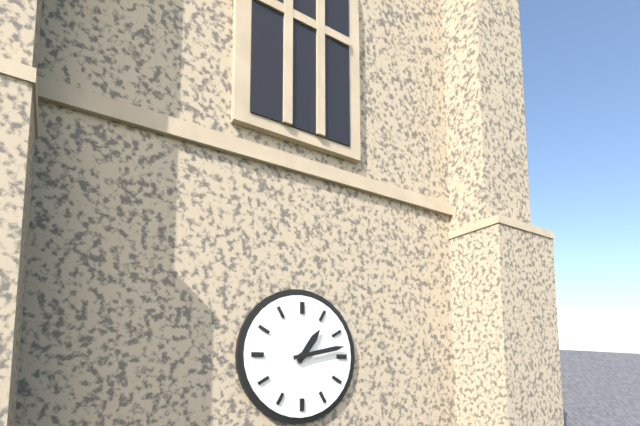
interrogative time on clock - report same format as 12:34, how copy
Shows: 1:13
